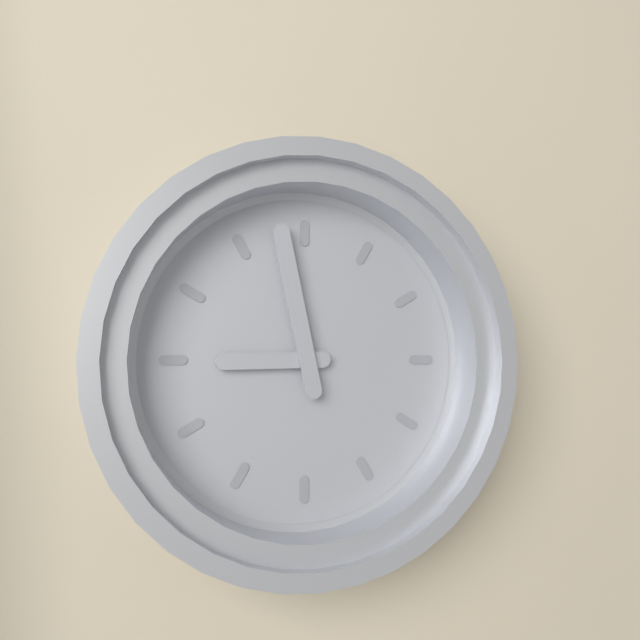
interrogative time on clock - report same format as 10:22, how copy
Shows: 8:58
